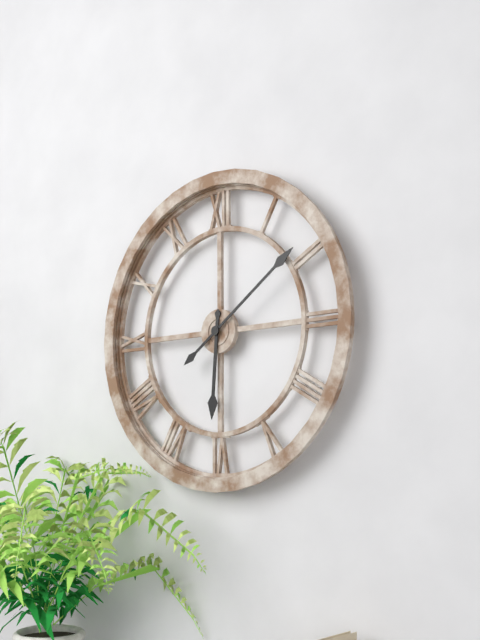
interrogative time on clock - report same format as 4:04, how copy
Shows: 6:09
